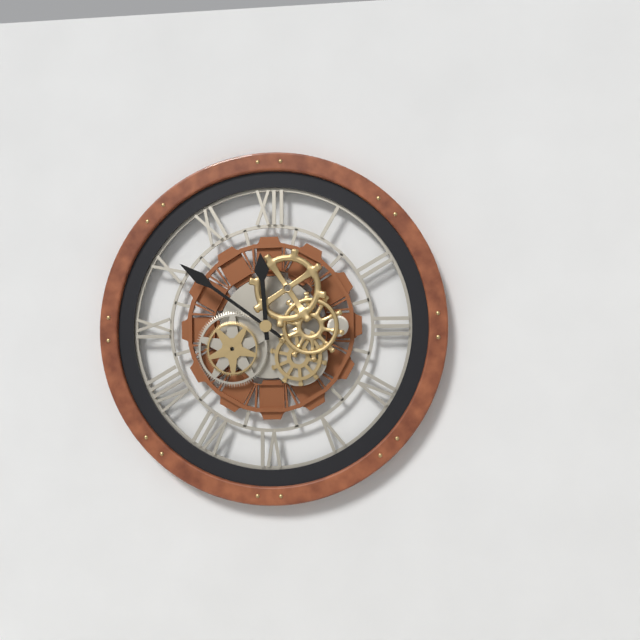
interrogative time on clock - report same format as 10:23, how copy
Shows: 11:51
